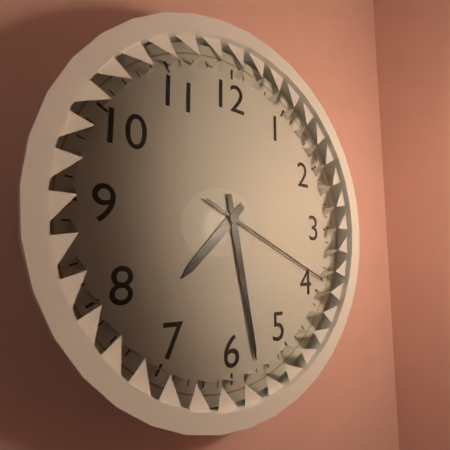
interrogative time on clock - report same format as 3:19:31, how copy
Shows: 7:28:19
